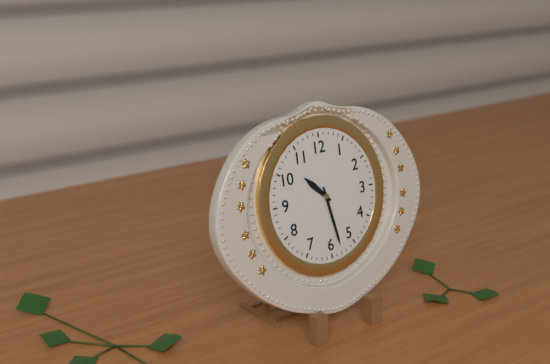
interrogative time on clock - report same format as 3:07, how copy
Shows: 10:28
